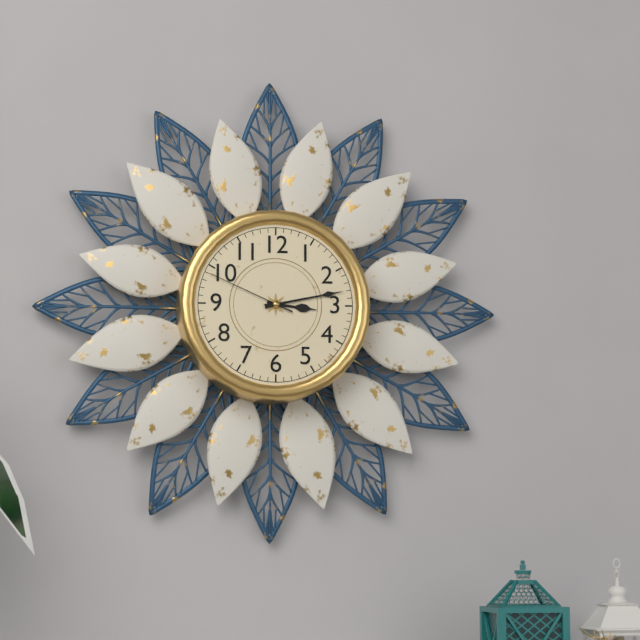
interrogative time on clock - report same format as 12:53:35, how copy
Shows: 3:13:49
